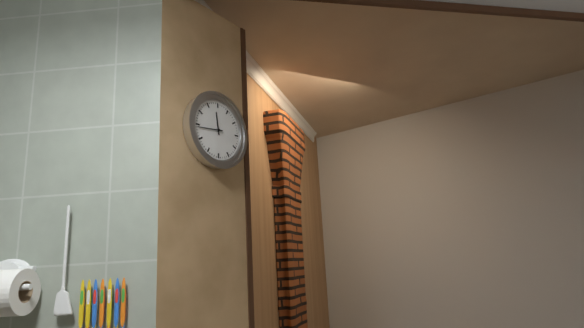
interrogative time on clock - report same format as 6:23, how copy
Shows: 11:44
